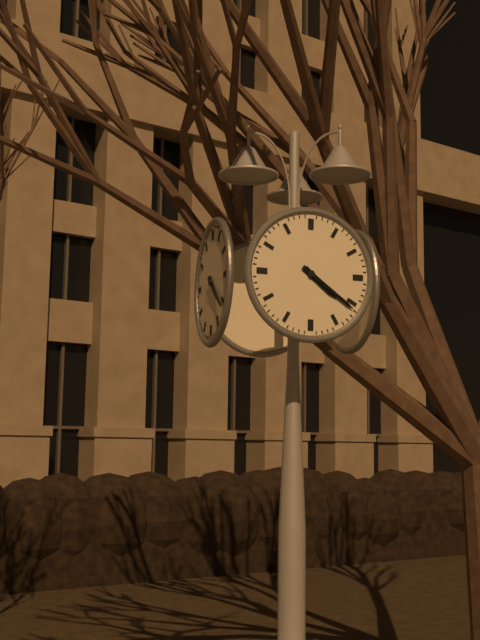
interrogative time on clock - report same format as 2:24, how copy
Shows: 4:21
